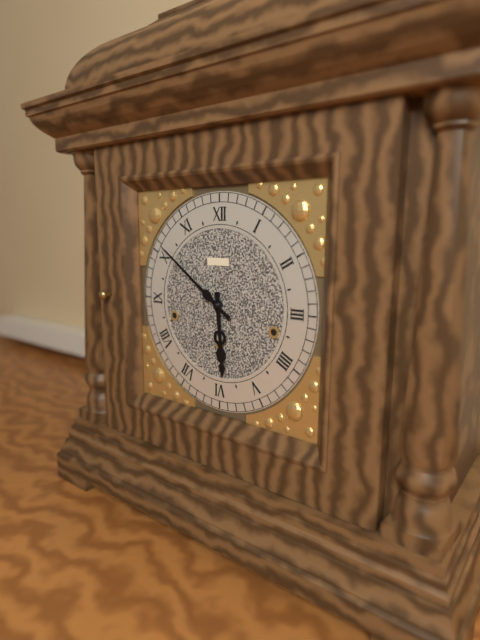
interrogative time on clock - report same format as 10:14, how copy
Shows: 5:51
